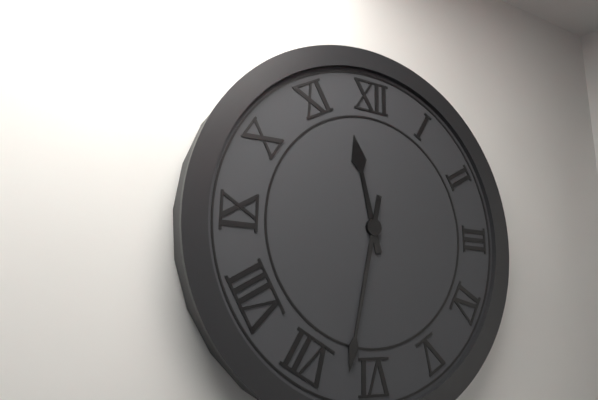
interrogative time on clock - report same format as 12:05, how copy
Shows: 11:32
